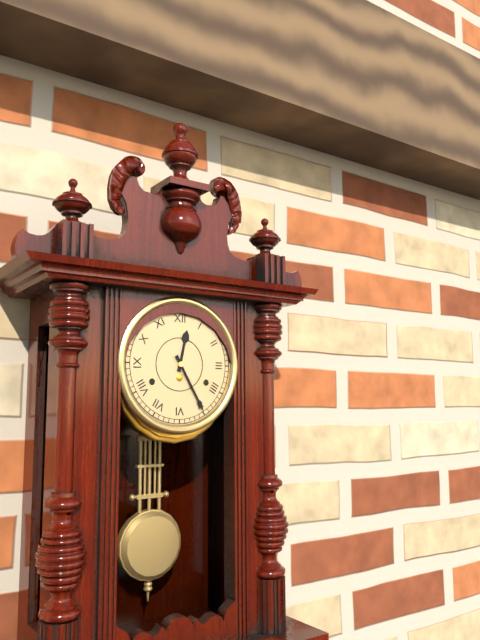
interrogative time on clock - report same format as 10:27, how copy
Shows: 12:25
